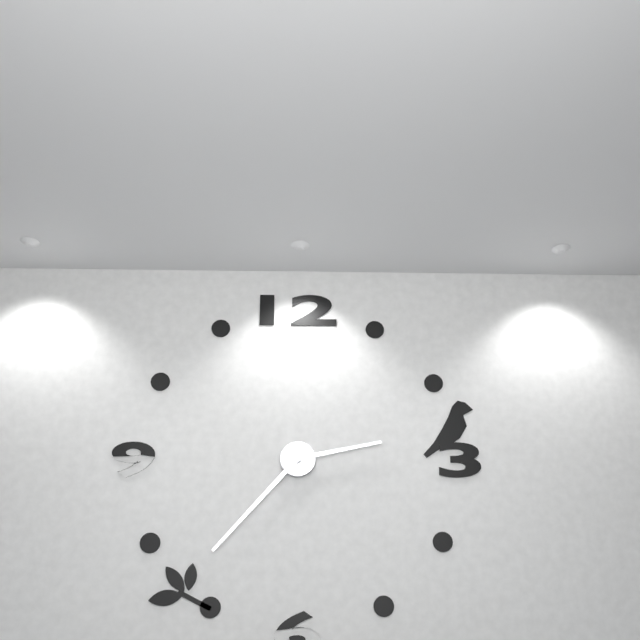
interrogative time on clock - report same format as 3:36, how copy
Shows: 2:37
